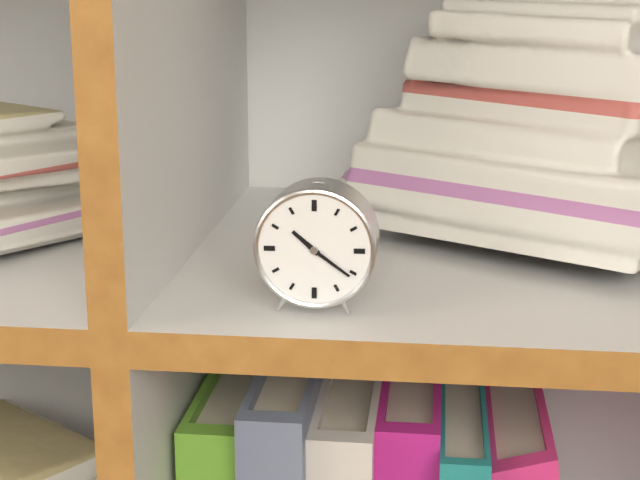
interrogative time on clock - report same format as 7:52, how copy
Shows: 10:21
